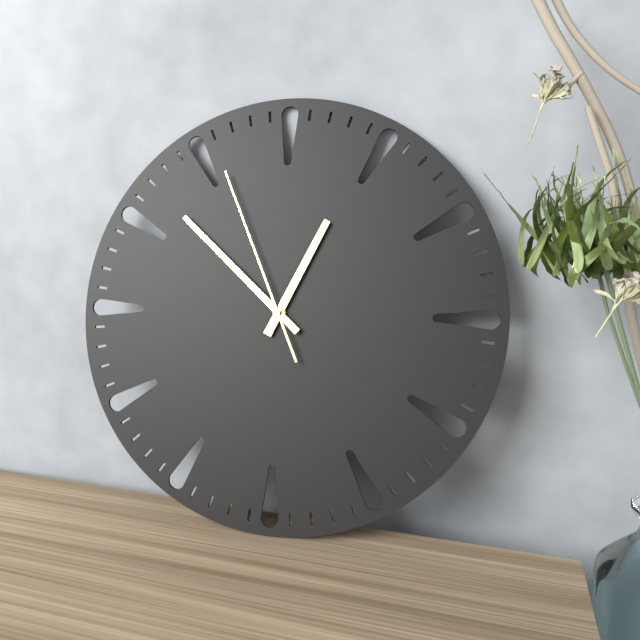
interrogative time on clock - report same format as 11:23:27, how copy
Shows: 12:52:56
